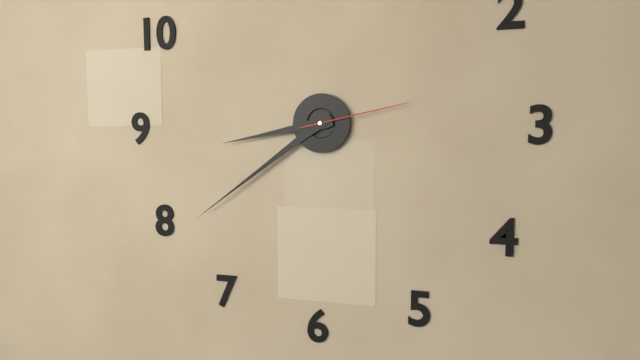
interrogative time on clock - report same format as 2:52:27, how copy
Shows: 8:39:13
